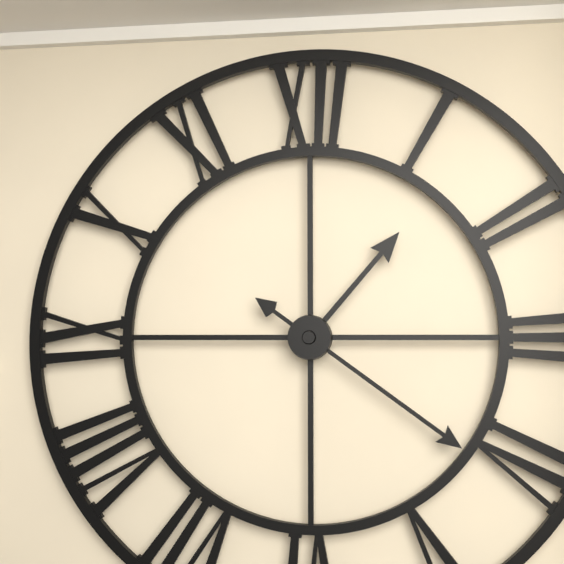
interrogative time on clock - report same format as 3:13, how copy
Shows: 1:21
